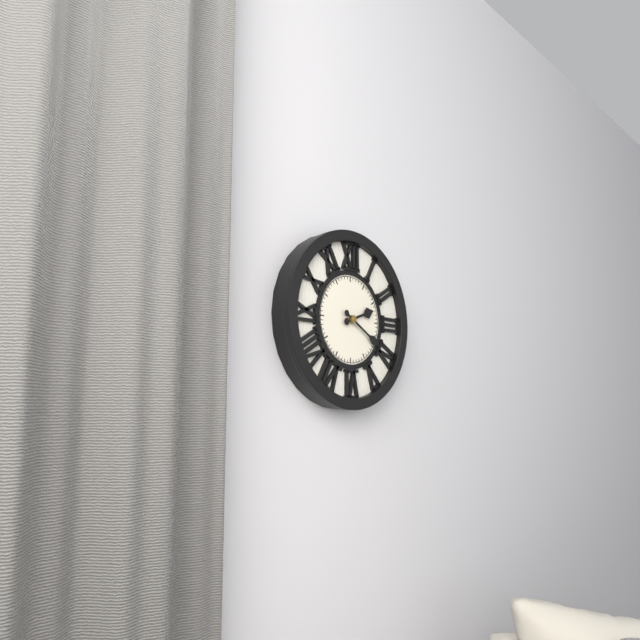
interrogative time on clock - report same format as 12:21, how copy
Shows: 2:20
